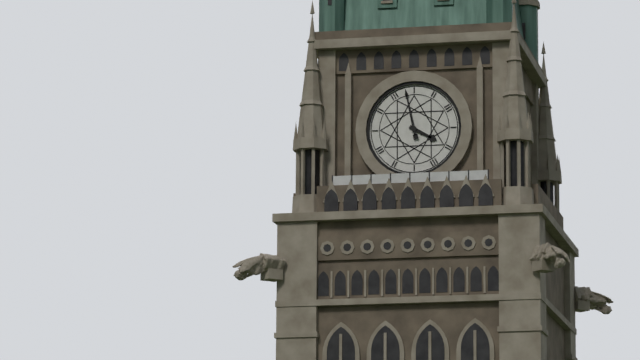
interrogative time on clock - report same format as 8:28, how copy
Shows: 3:58
